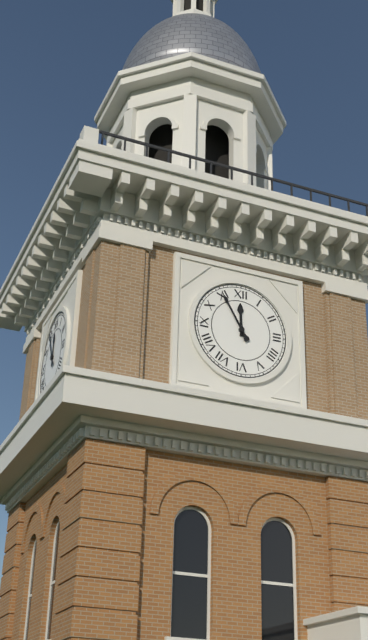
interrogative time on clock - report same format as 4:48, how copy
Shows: 11:55
